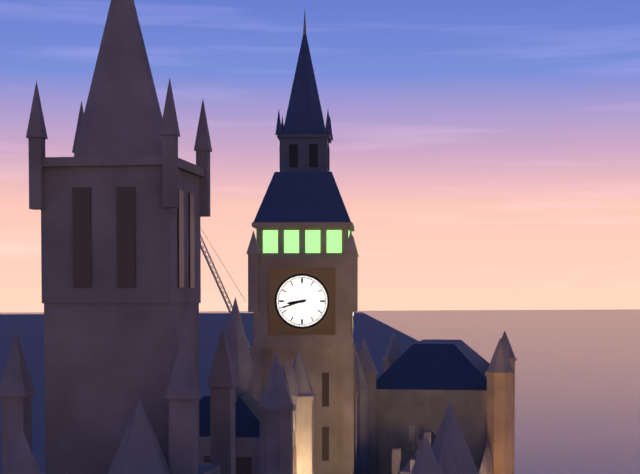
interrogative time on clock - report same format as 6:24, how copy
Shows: 8:42
